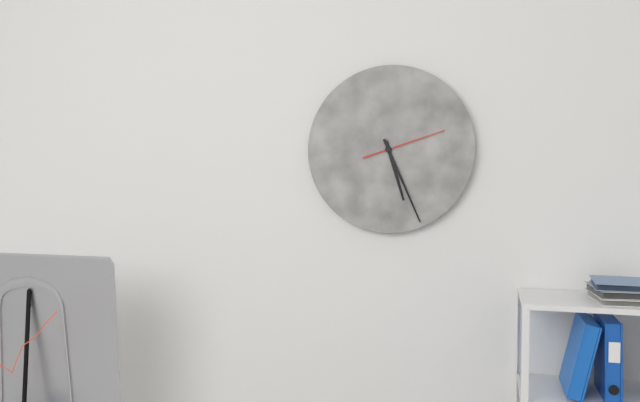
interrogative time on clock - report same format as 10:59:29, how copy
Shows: 5:26:12
